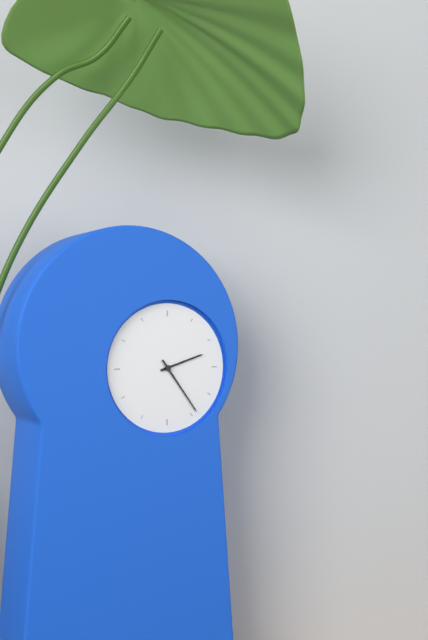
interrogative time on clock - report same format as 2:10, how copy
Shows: 2:24
